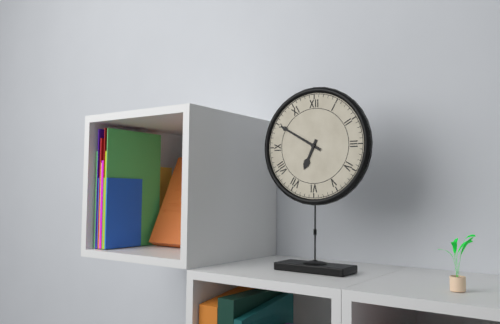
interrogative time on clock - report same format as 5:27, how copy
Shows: 6:50
